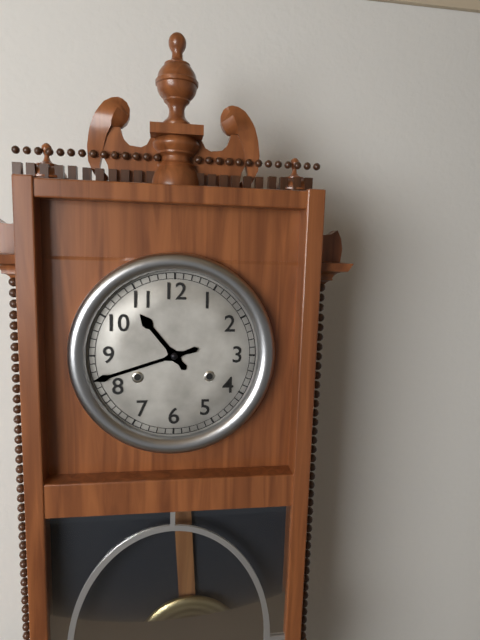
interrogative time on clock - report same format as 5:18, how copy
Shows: 10:42
